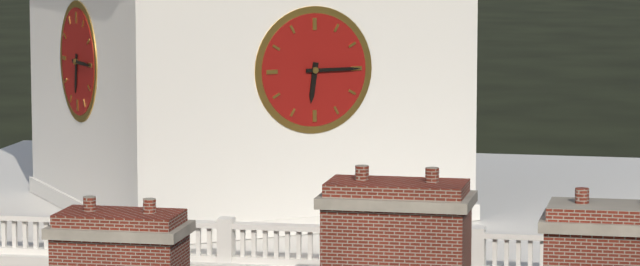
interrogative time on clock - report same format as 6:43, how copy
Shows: 6:15
